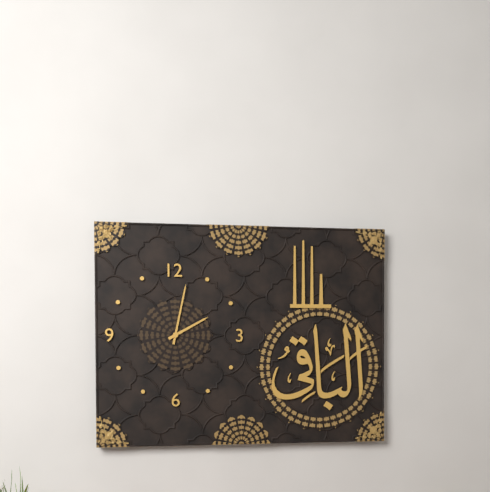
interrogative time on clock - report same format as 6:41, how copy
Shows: 2:02
